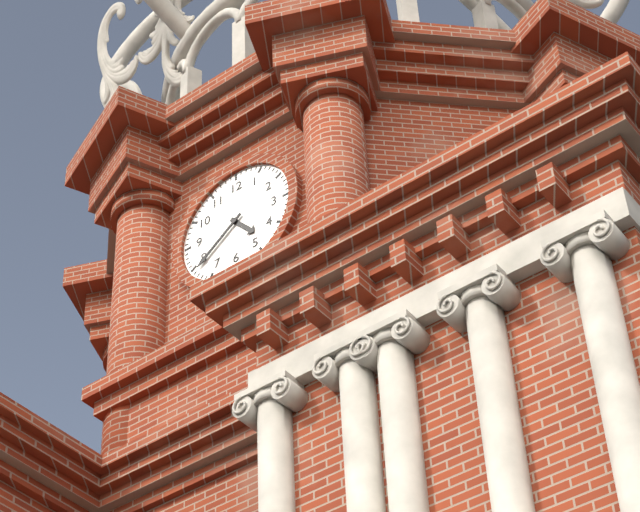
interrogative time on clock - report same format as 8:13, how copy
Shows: 4:39
